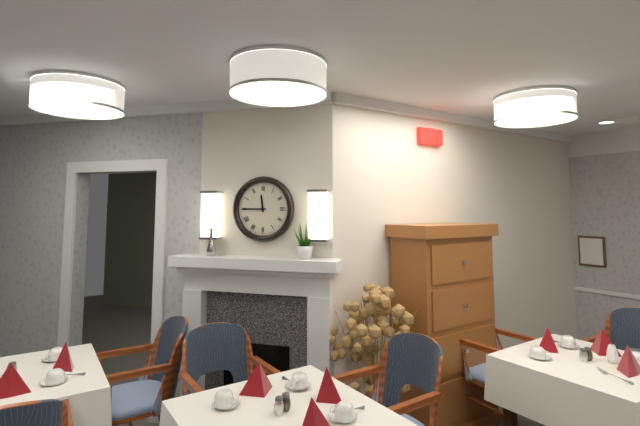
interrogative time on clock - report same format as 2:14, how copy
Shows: 11:45
